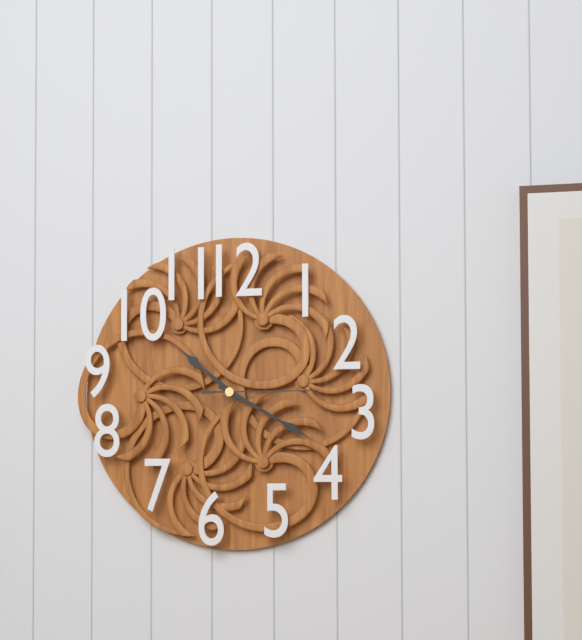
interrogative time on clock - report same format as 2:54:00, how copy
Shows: 10:20:15
